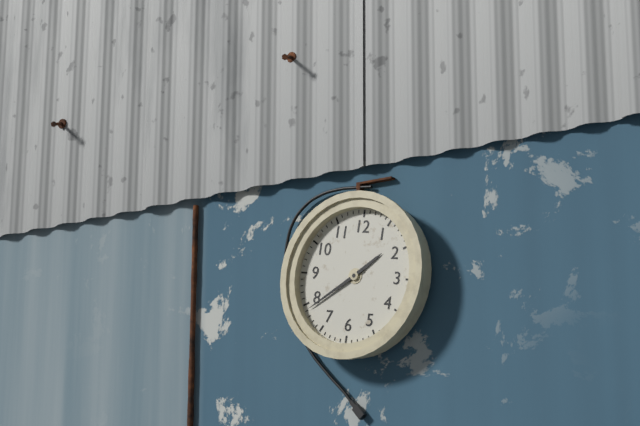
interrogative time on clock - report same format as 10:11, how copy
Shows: 1:39
